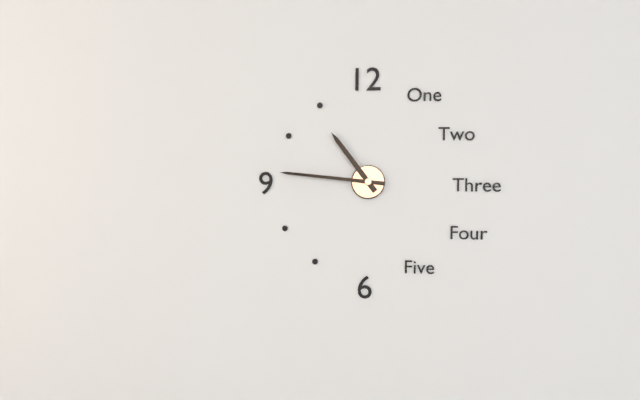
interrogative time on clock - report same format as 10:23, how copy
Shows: 10:46
